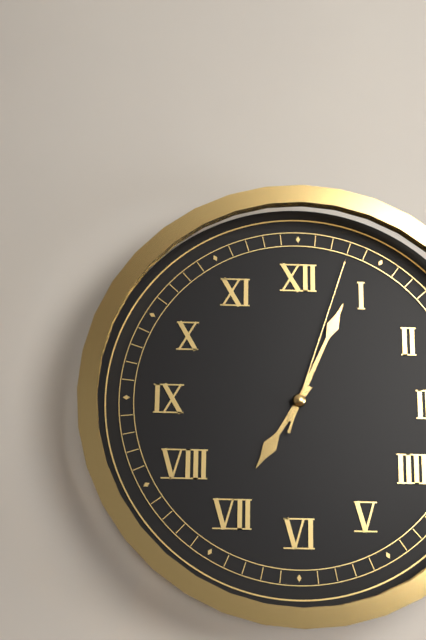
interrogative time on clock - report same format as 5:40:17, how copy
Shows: 7:04:03
